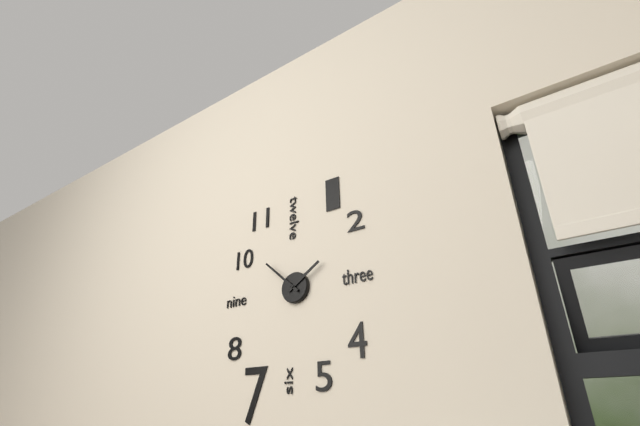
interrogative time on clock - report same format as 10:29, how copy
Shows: 1:52
